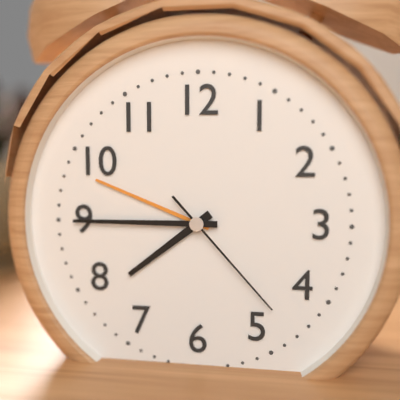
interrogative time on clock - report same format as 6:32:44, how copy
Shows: 7:45:23
